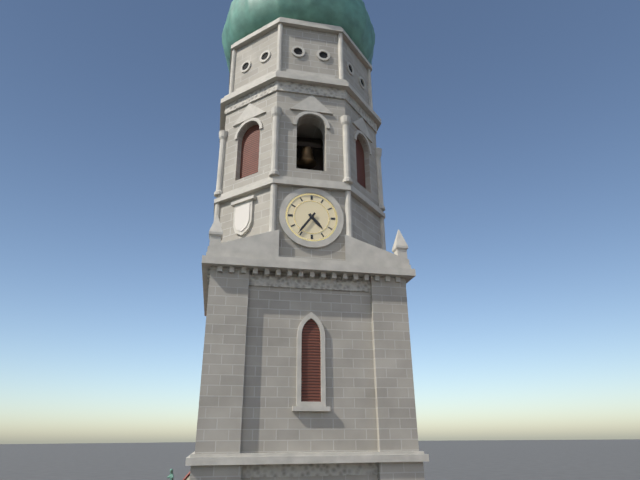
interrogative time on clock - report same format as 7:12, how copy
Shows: 4:36
